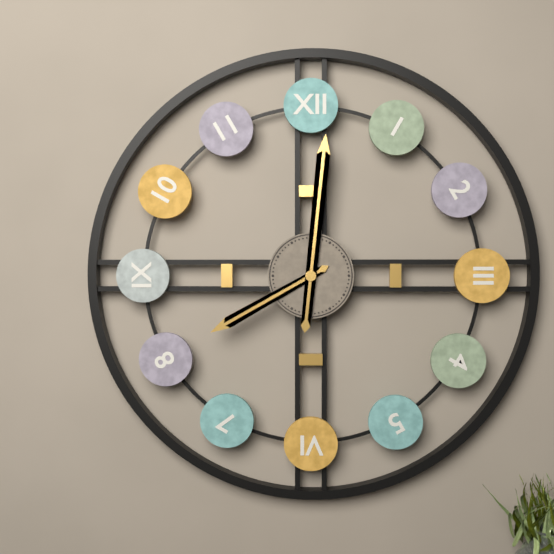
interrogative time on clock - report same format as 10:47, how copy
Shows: 8:01
